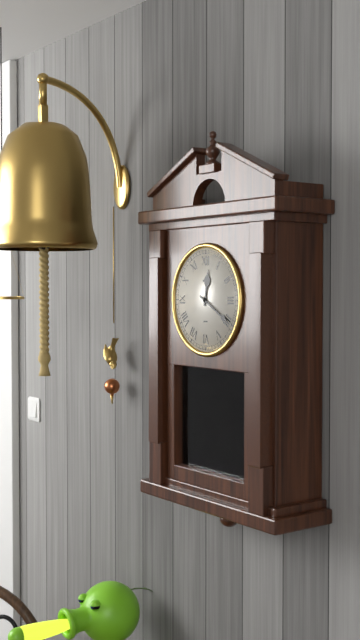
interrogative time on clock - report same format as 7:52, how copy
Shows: 12:20
